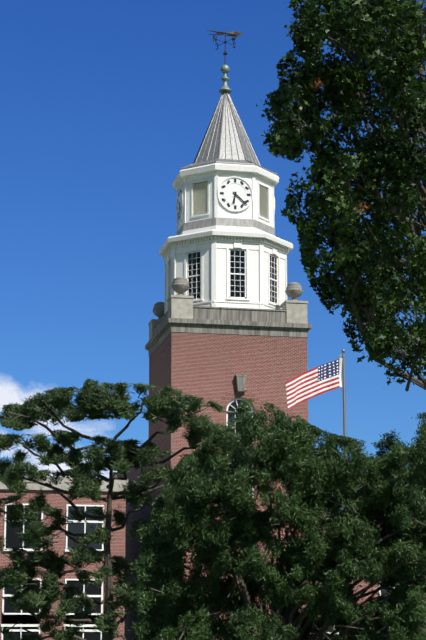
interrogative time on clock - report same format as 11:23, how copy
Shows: 6:22
